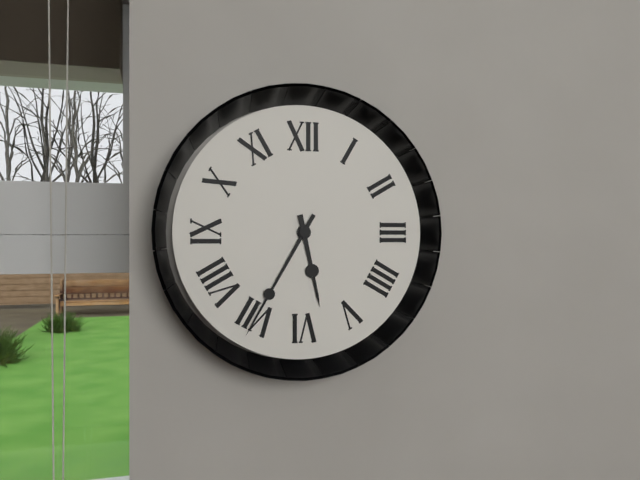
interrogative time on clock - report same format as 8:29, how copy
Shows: 5:35
